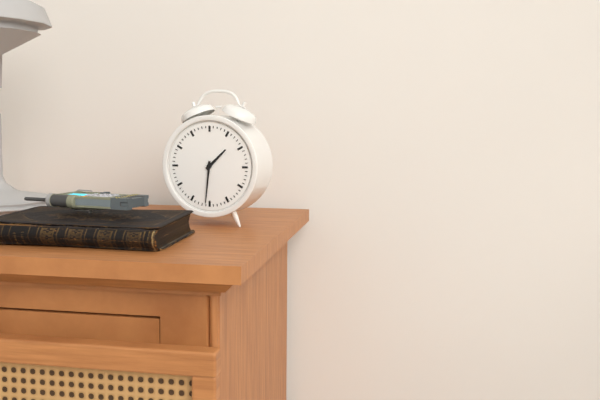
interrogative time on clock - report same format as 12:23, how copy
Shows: 1:31
